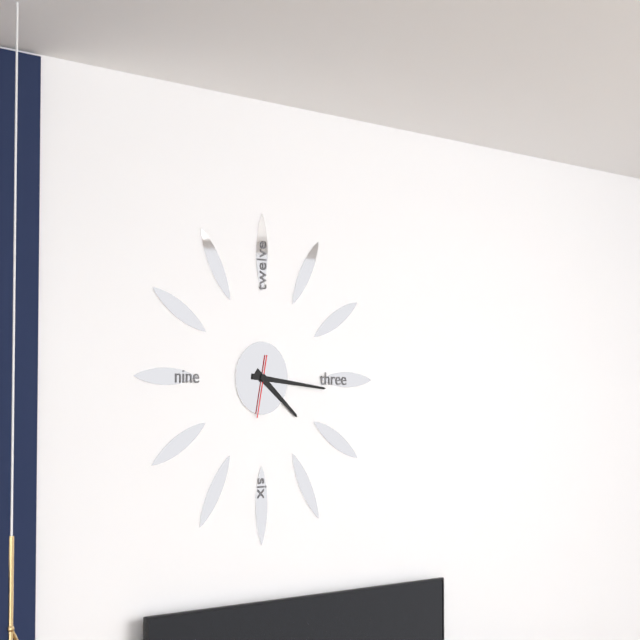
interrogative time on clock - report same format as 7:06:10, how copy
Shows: 4:16:32
